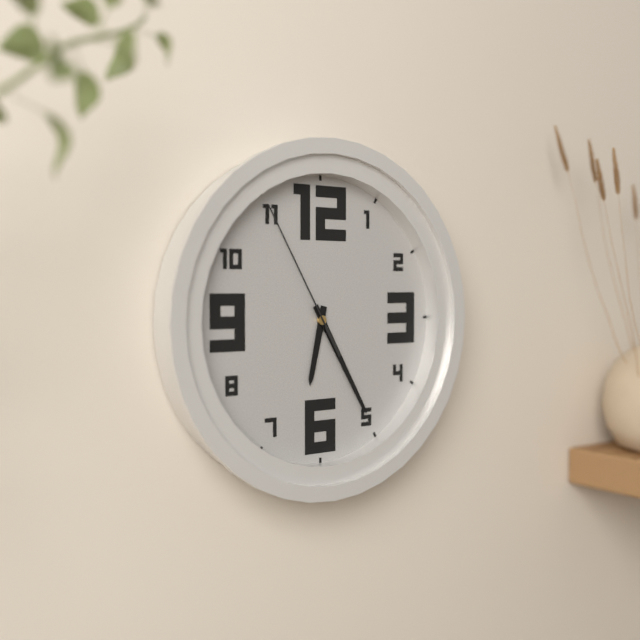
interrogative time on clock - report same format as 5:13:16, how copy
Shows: 6:25:55
